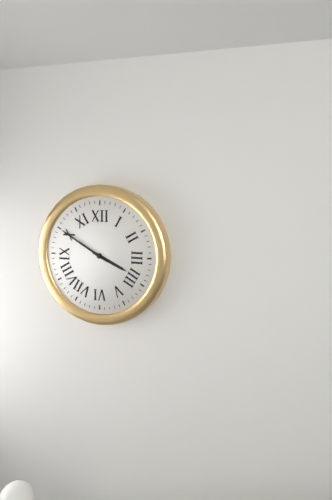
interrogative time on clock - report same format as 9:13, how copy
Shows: 3:50
